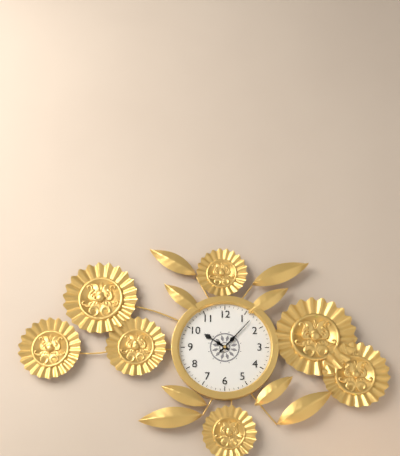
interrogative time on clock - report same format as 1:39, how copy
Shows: 10:07
